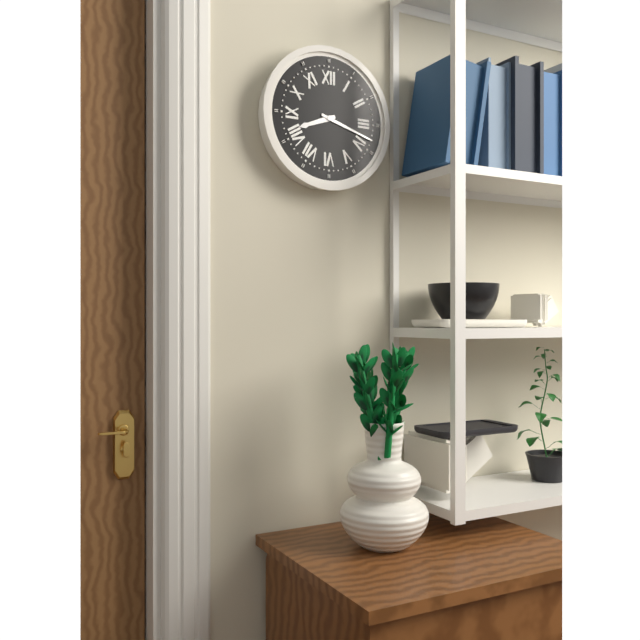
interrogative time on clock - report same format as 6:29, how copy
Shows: 8:18
